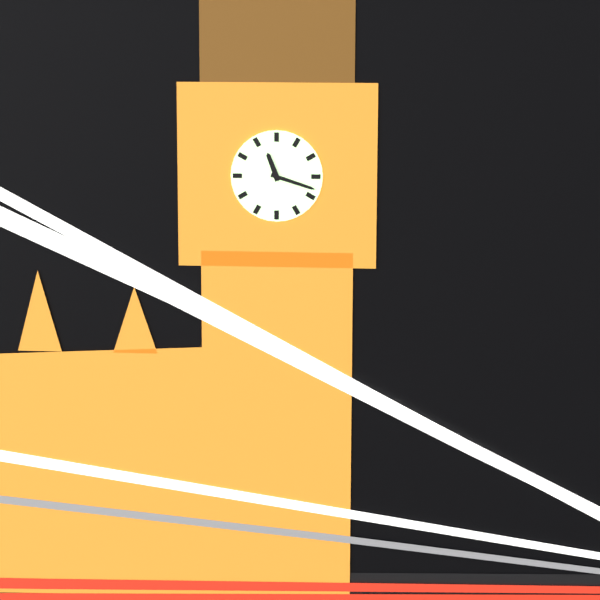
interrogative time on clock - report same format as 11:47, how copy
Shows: 11:18
